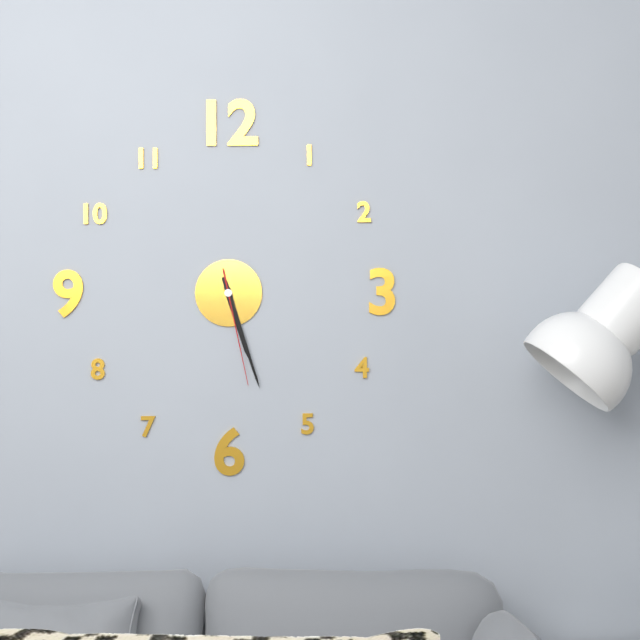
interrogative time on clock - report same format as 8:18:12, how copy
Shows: 5:27:28
